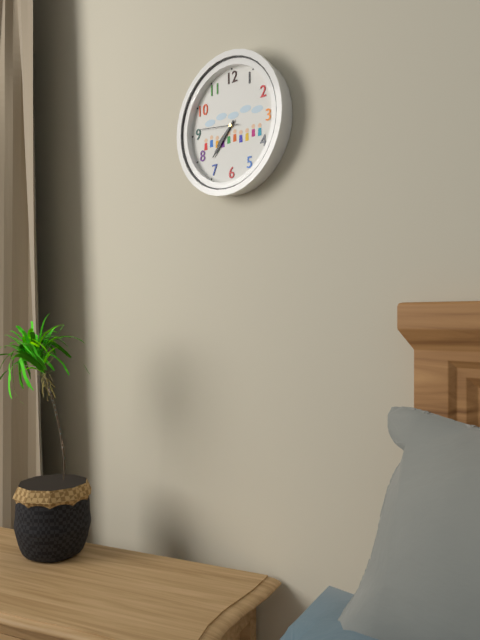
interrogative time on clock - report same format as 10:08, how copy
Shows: 7:37
